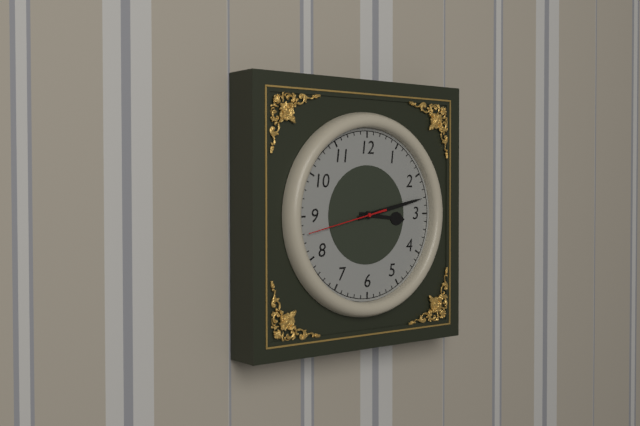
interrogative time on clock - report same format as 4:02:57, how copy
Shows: 3:13:43
